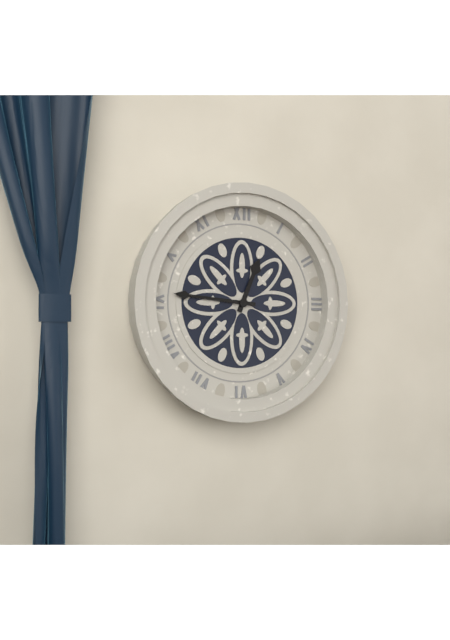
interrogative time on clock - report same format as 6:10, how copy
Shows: 12:46
